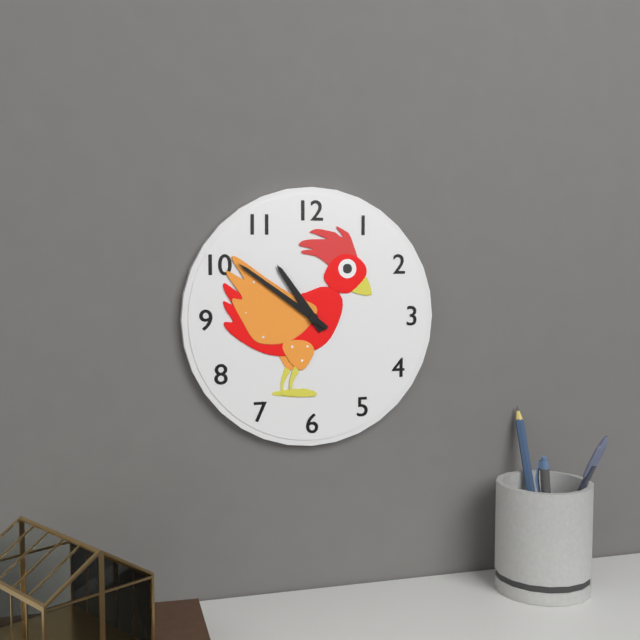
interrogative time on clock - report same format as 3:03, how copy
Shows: 10:51
